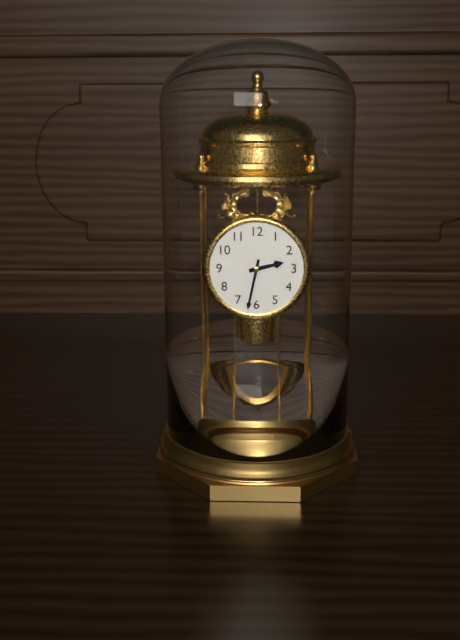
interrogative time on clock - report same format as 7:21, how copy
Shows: 2:32
